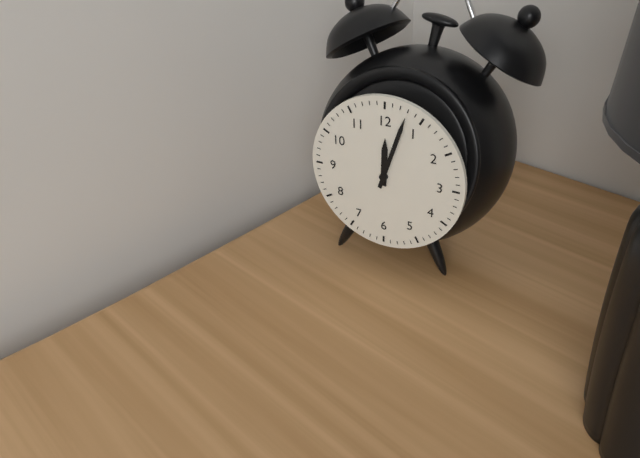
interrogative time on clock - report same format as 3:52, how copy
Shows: 12:03
